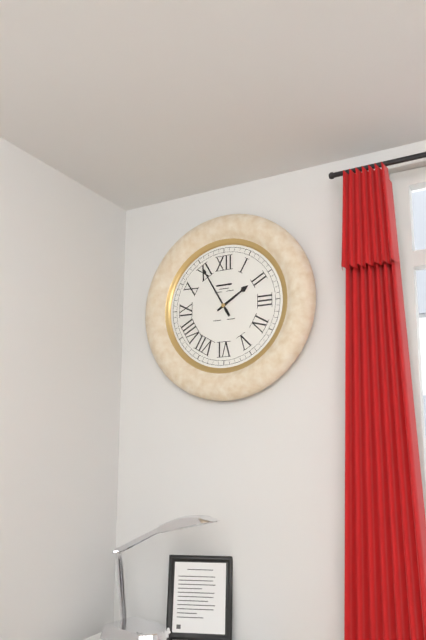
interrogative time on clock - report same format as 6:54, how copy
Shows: 1:55
